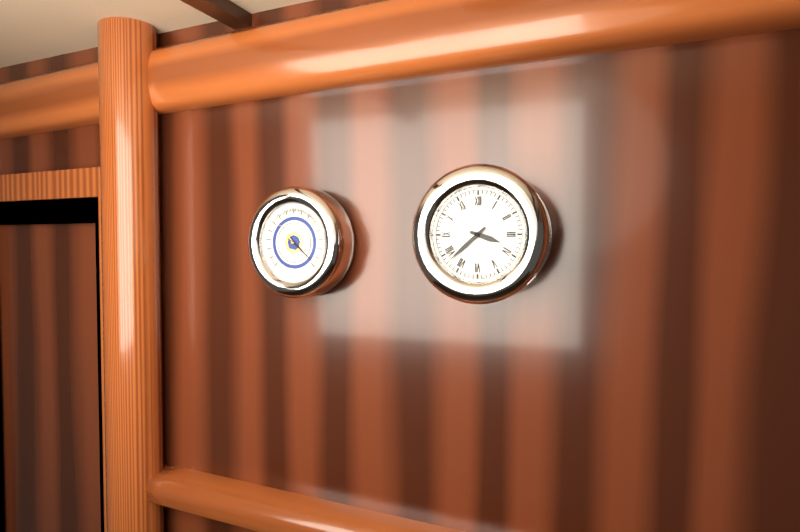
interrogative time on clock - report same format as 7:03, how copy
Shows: 3:38
